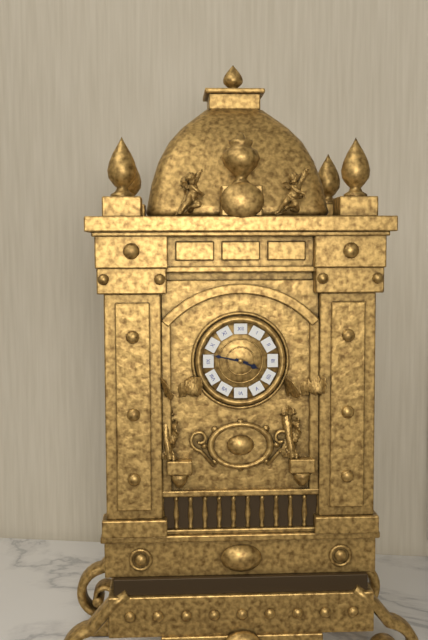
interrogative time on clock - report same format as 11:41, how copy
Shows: 3:47
